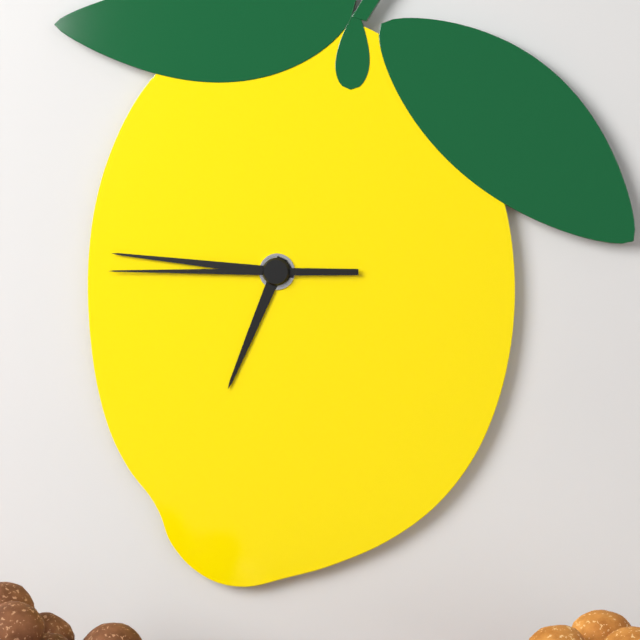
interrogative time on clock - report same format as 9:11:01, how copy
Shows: 6:46:45
